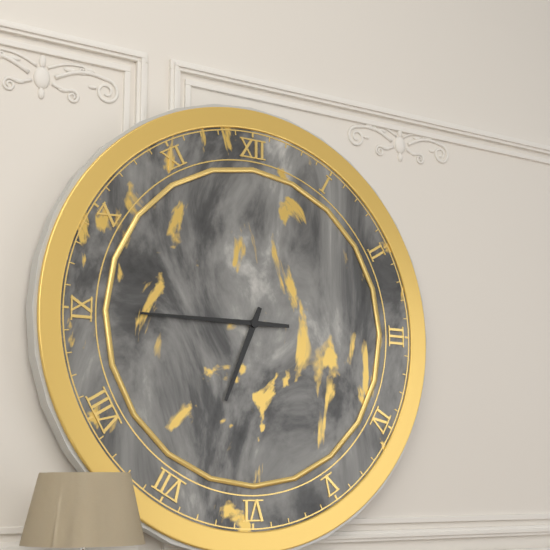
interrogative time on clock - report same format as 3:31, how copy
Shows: 6:45
